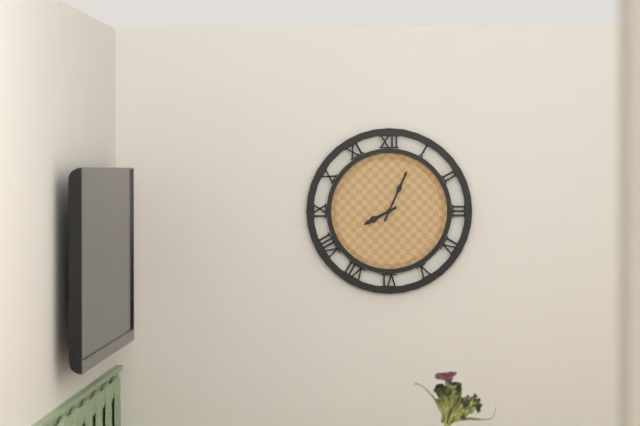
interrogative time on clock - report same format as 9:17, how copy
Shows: 8:04
